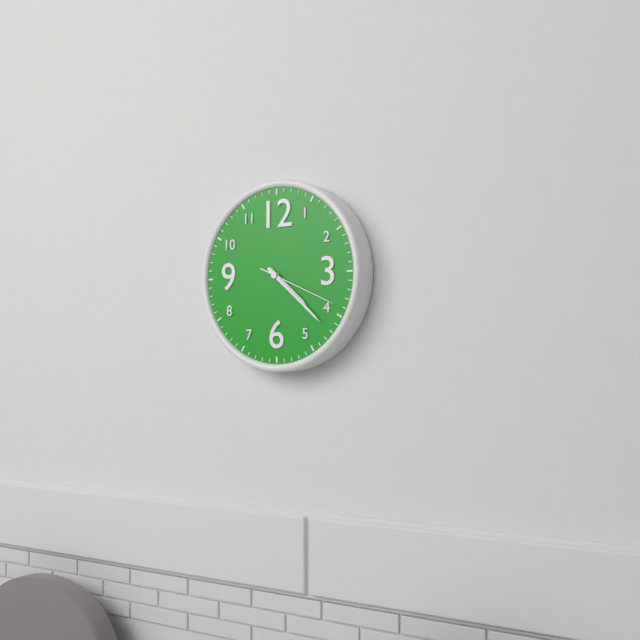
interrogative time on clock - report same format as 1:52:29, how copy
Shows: 4:22:19
